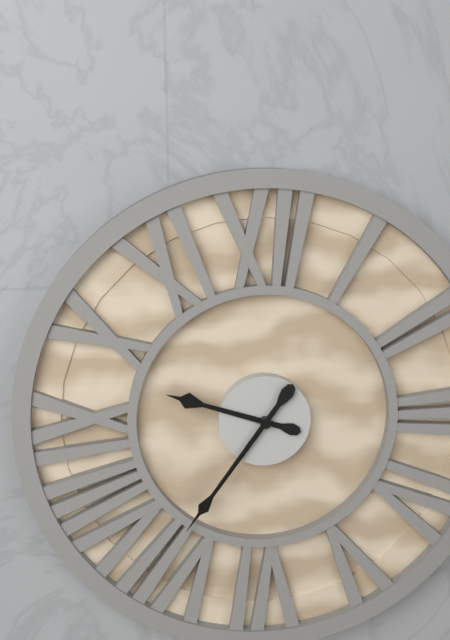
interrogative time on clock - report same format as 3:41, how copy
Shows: 9:36
